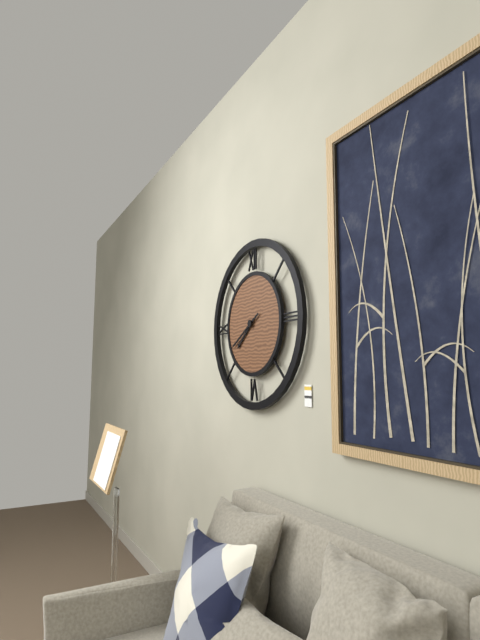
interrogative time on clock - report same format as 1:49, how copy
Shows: 7:40
